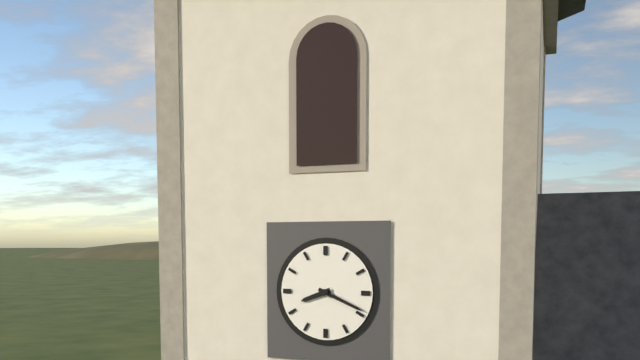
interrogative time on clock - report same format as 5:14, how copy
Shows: 8:19
